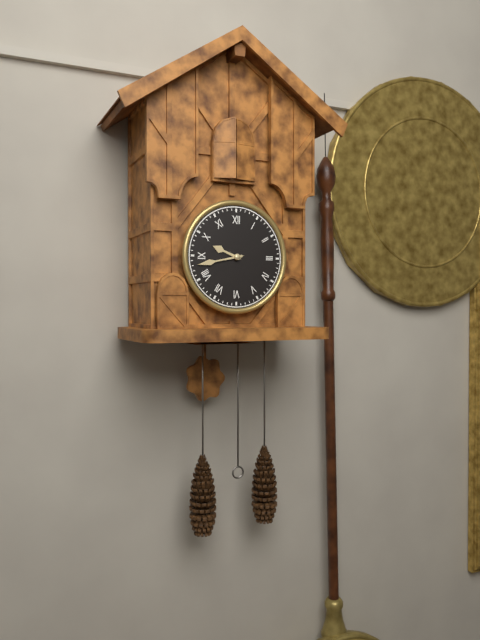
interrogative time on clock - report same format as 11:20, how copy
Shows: 9:43
